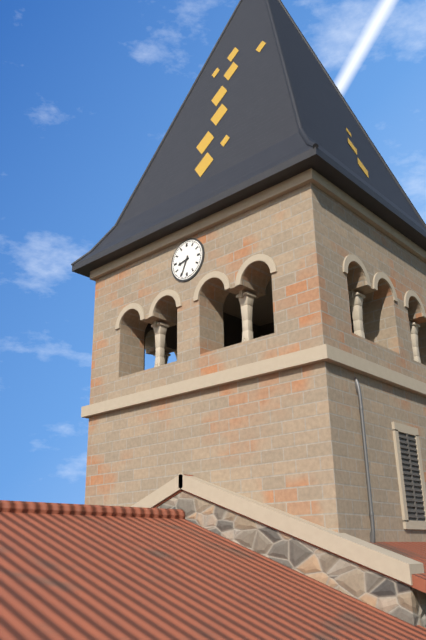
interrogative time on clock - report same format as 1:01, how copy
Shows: 8:34
